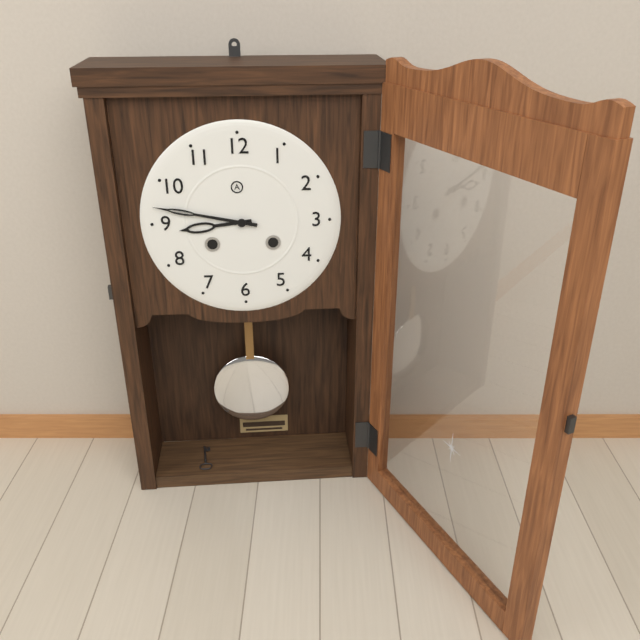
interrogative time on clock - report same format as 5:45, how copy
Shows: 8:47
